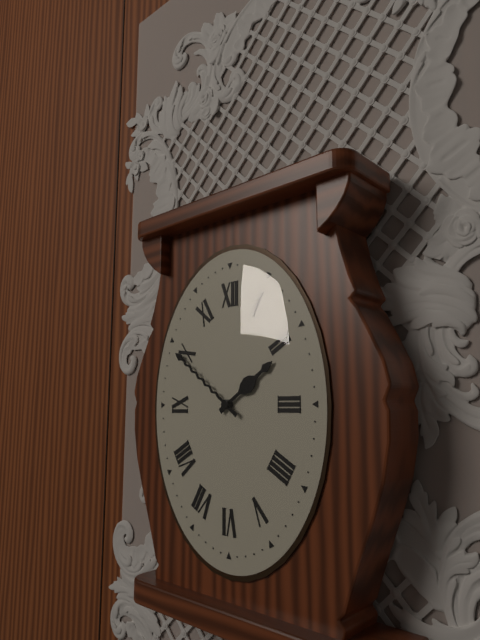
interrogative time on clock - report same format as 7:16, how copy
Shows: 1:51
